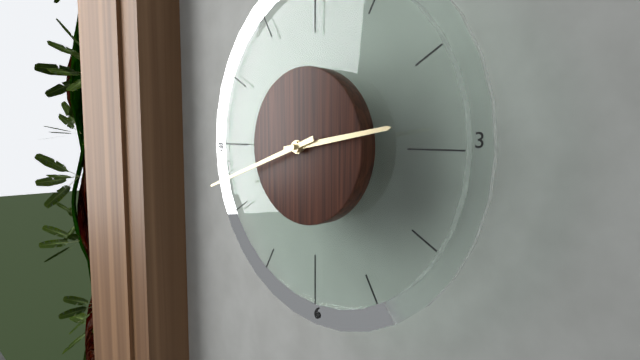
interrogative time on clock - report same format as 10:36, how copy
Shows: 2:42
